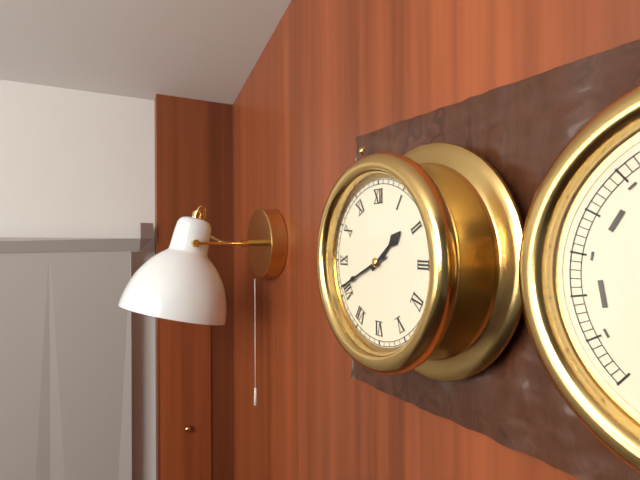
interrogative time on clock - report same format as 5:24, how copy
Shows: 1:41
